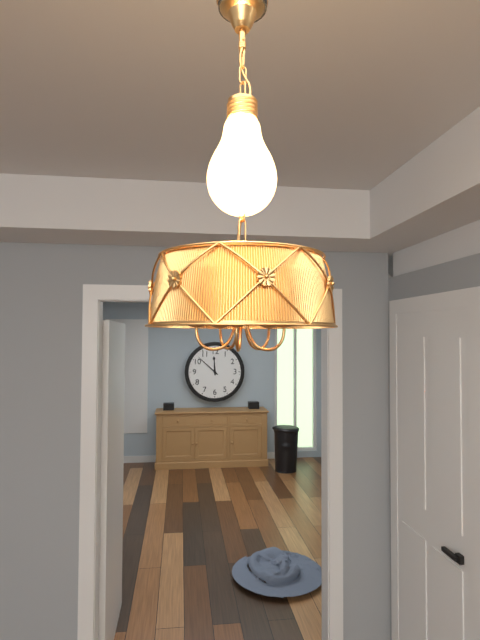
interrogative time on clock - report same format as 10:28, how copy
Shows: 11:52
